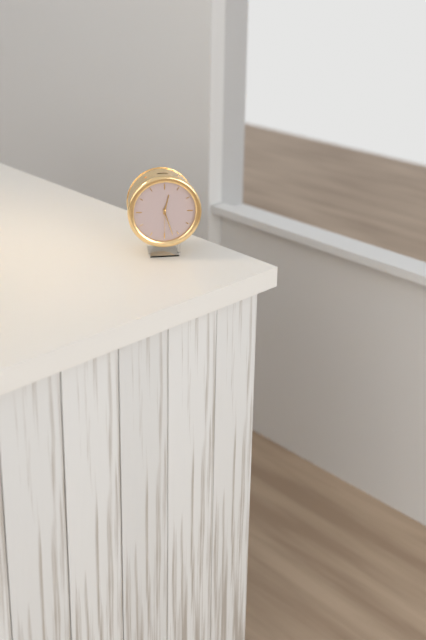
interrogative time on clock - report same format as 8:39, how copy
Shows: 12:27
